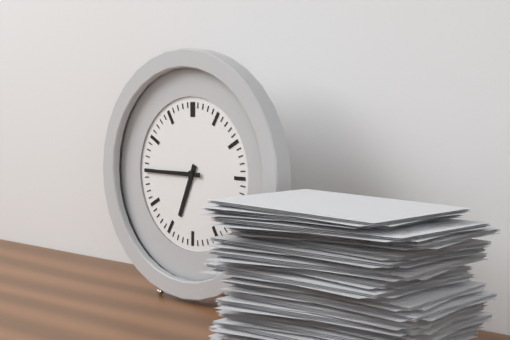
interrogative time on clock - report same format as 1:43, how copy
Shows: 6:45
